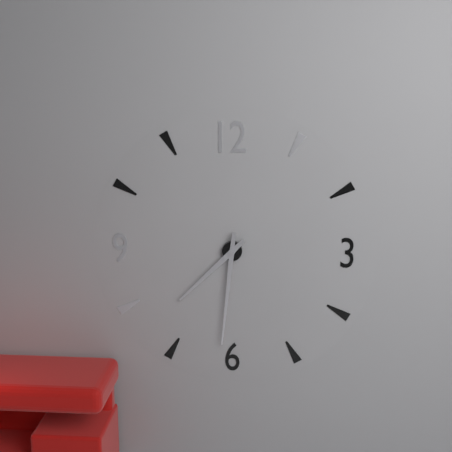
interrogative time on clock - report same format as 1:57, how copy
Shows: 7:31
